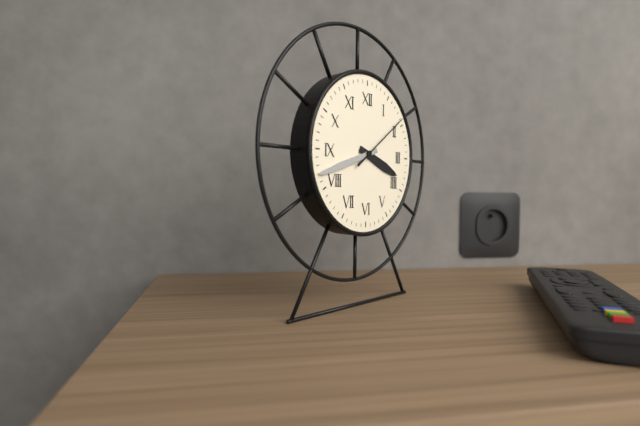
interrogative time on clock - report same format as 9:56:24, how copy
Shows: 3:42:09
